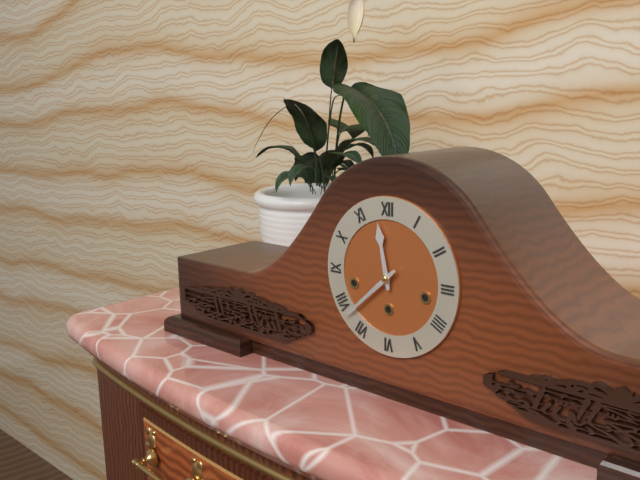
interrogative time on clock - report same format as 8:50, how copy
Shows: 11:38
